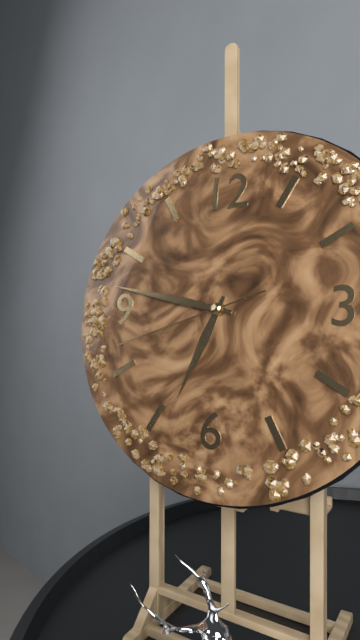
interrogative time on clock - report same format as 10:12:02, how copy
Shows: 6:47:42
